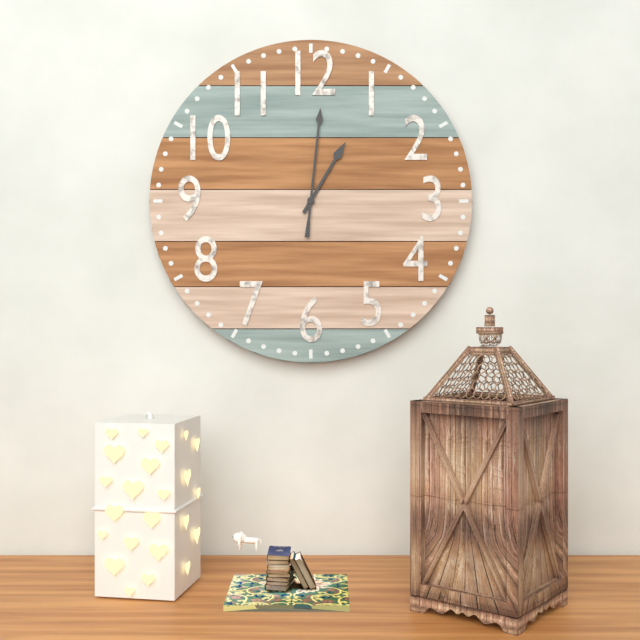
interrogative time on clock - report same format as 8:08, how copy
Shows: 1:01
